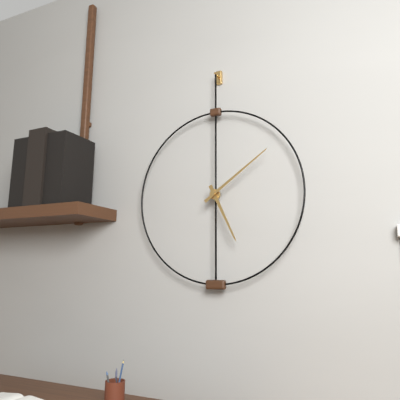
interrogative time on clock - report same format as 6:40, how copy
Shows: 5:09
